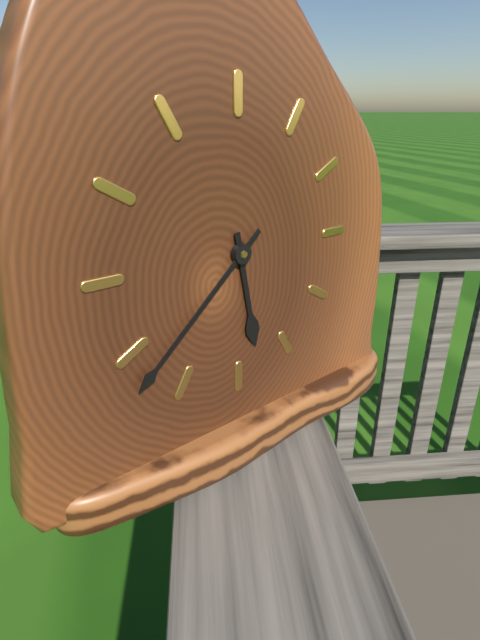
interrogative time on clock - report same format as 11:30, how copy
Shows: 5:38
